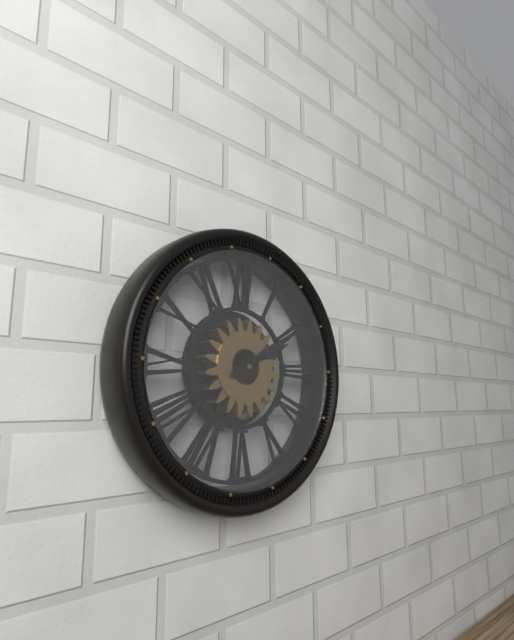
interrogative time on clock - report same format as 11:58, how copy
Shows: 2:10
